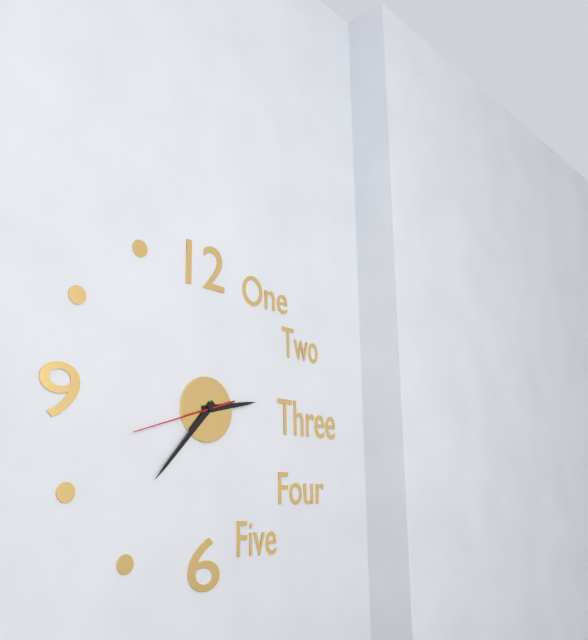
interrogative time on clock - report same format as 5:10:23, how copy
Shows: 2:37:42
